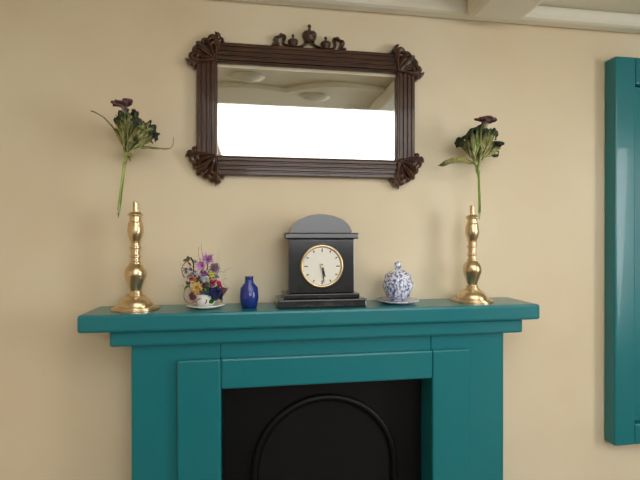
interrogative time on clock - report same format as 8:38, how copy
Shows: 5:29
